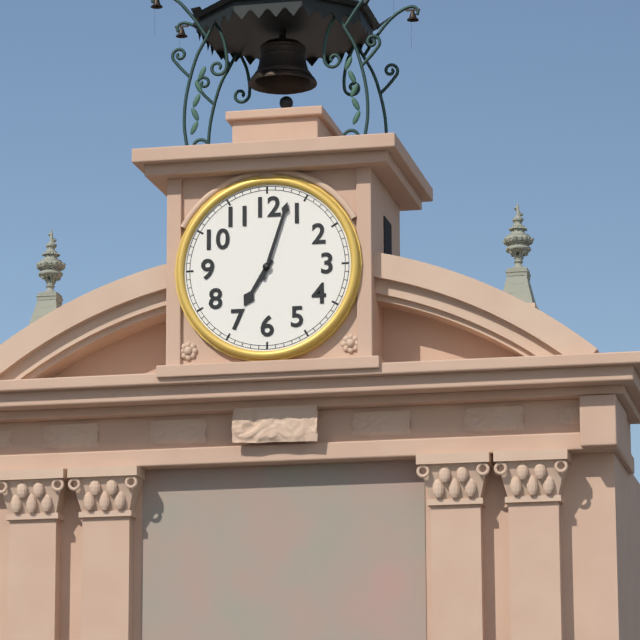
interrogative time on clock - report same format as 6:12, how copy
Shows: 7:03
